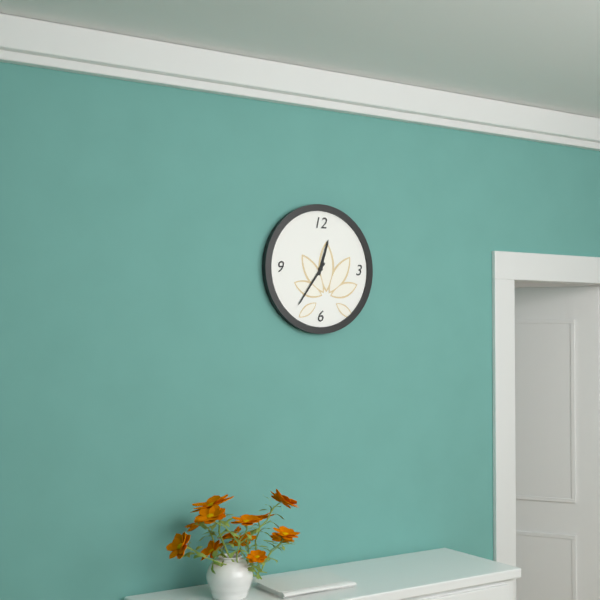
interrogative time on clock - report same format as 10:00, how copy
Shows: 12:36
